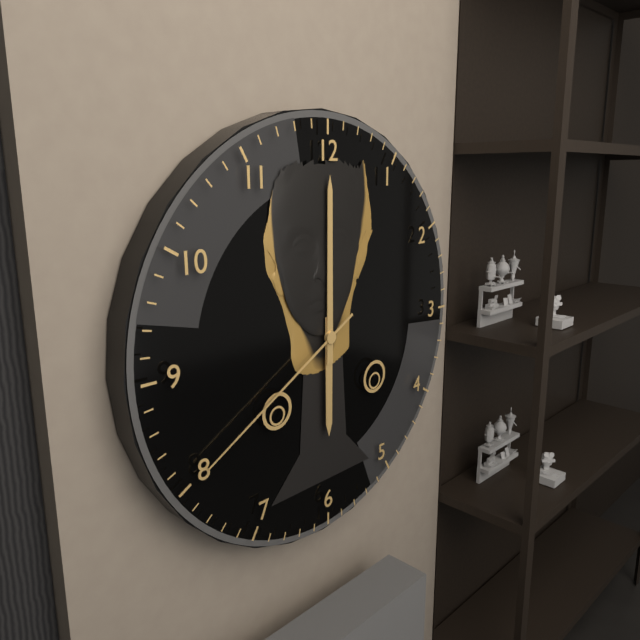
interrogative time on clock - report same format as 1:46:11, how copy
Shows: 6:00:40
